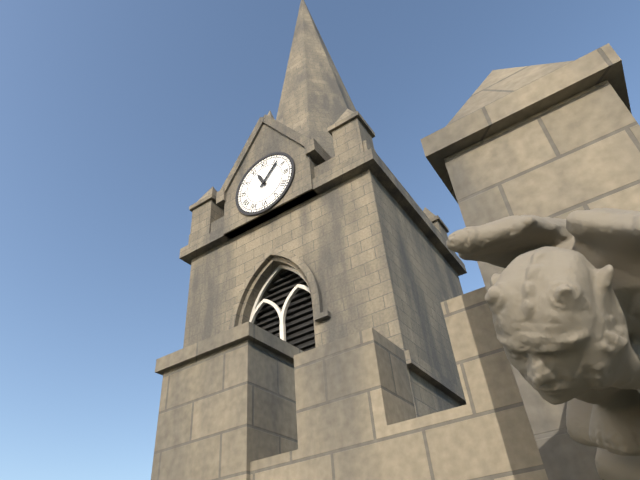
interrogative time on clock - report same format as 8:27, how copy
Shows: 11:07
